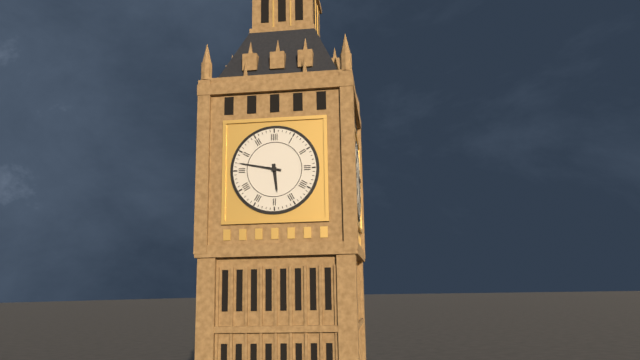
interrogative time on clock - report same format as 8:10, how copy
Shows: 5:47
